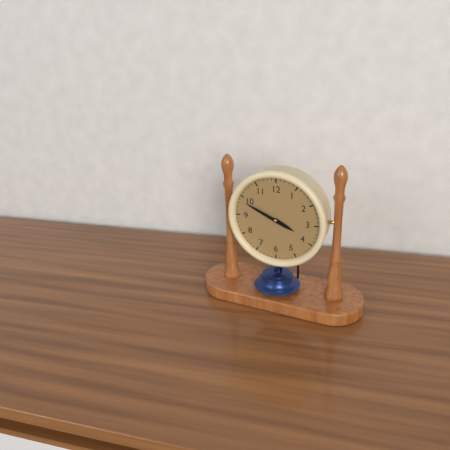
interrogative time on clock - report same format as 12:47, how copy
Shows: 3:49
